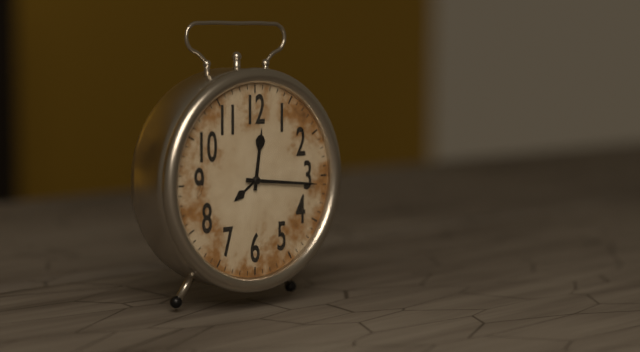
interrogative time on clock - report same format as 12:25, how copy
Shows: 12:16
